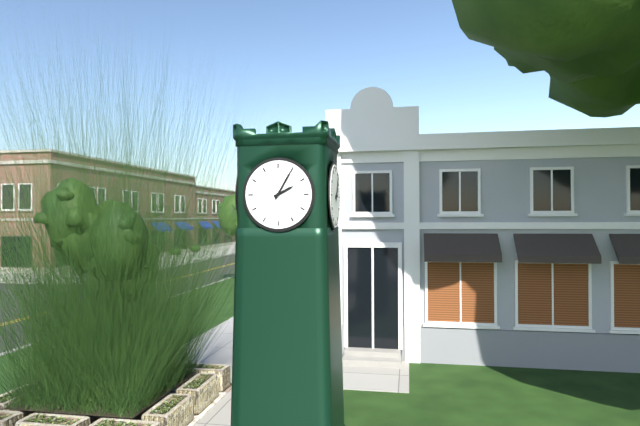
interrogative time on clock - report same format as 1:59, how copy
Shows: 2:05
